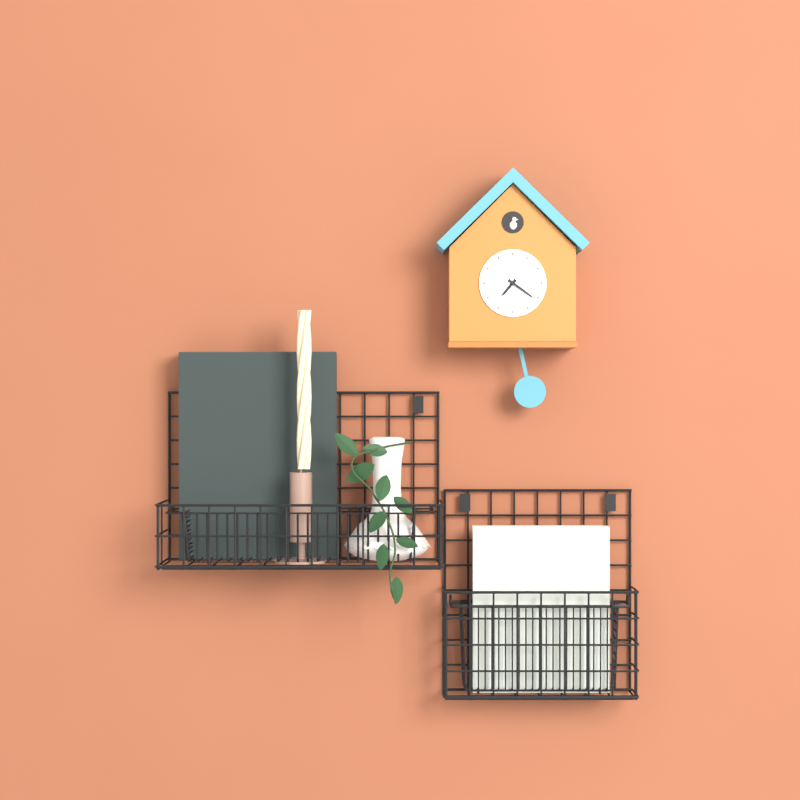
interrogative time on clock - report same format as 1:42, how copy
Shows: 7:21
